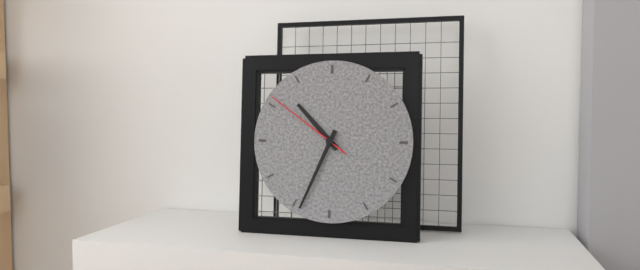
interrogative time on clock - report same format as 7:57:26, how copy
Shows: 10:34:51
